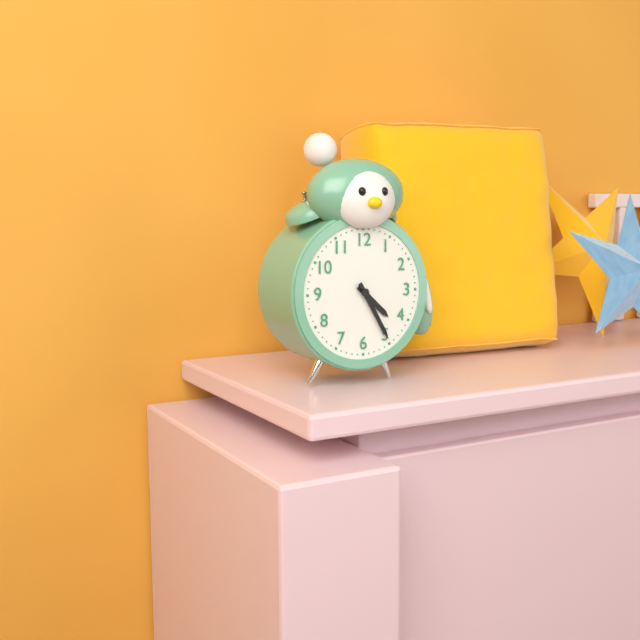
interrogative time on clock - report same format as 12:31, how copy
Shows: 4:25
